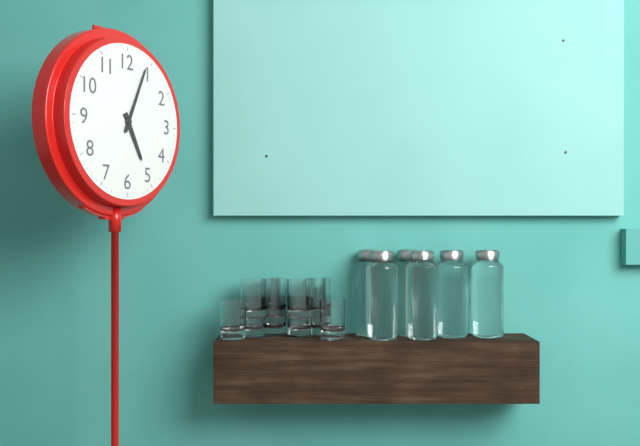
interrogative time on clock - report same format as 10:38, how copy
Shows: 5:04
